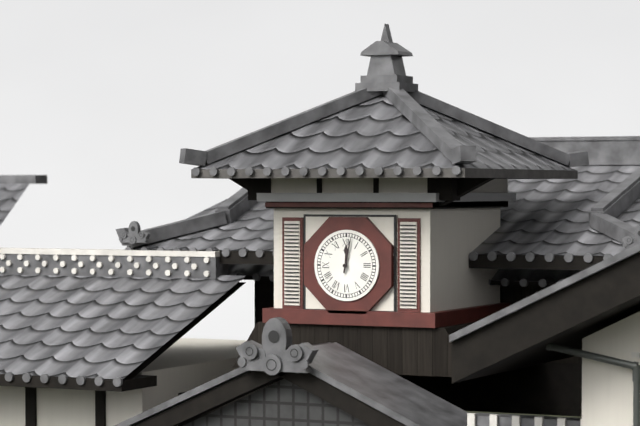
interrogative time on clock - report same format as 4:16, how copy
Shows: 12:02
